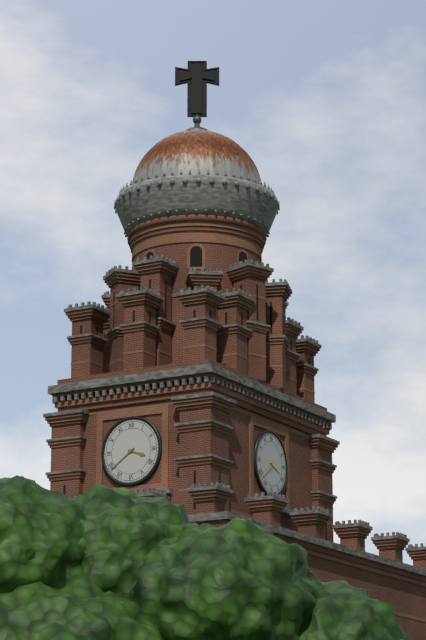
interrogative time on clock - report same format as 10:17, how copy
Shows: 3:39
